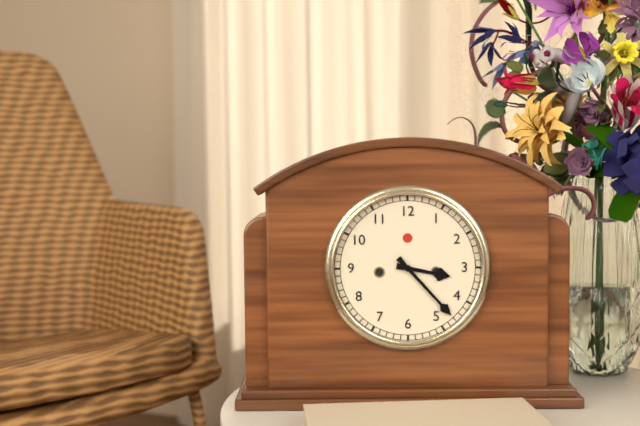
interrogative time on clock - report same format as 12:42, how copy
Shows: 3:23
